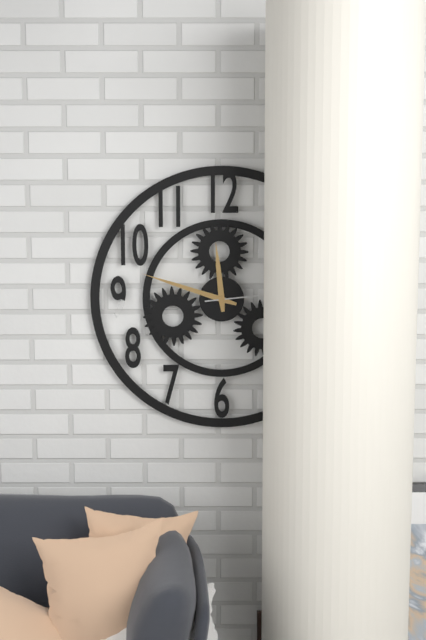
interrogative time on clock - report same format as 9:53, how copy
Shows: 11:48
